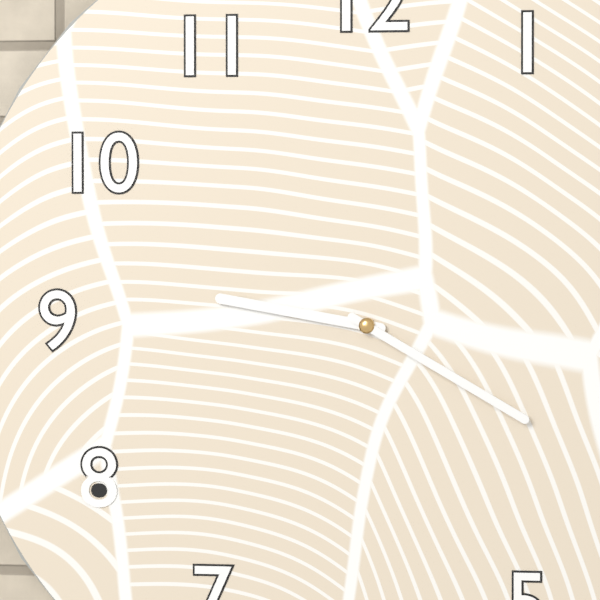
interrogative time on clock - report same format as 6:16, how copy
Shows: 9:20
